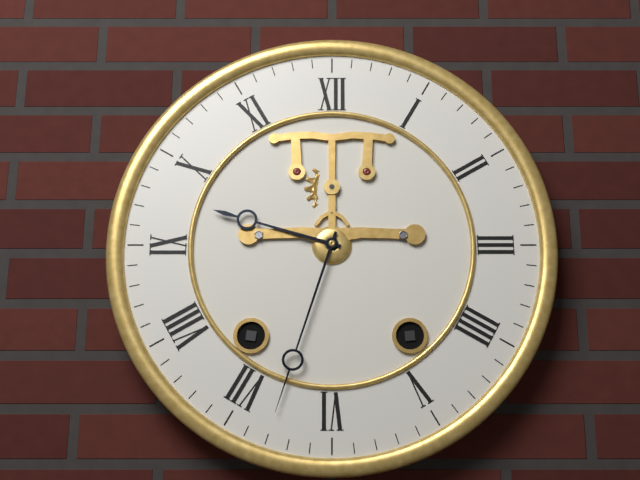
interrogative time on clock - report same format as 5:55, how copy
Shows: 9:33
